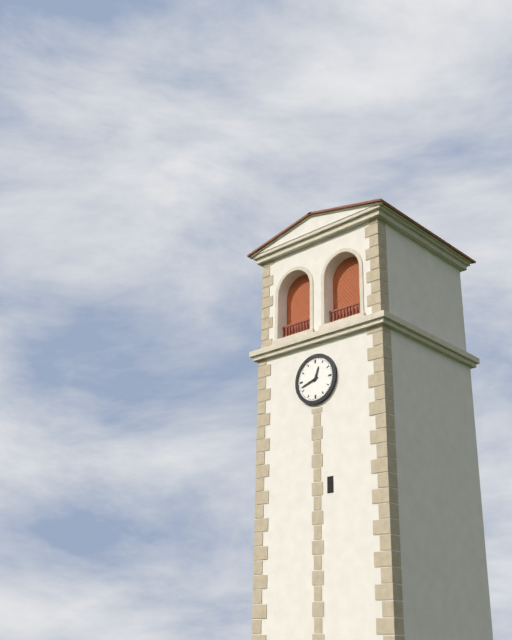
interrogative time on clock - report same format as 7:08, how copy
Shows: 12:42
